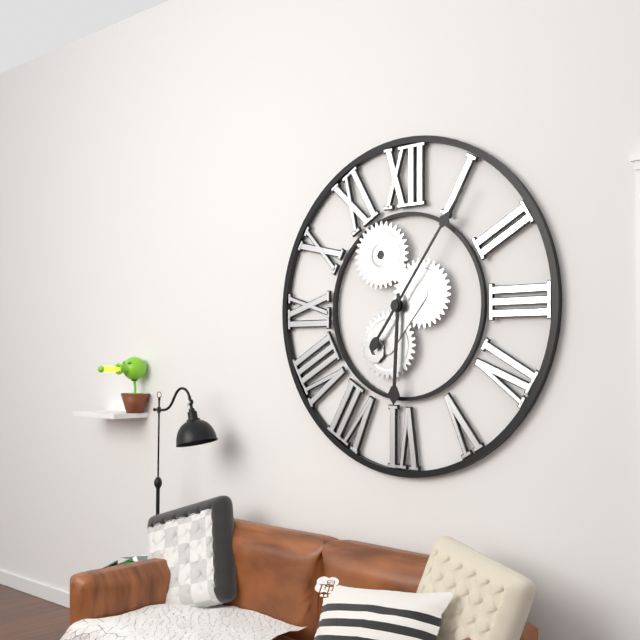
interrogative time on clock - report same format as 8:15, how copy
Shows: 6:06
